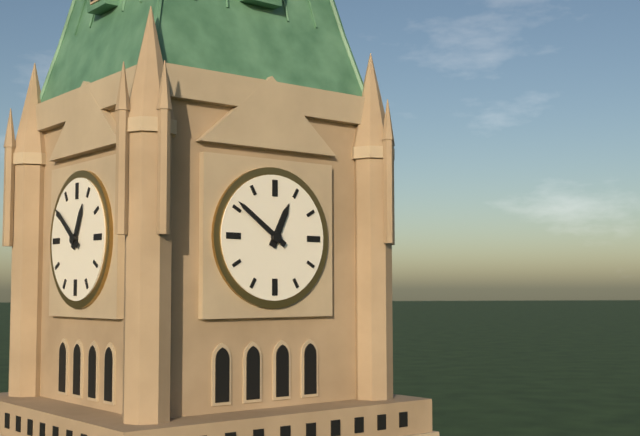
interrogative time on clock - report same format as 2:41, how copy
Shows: 12:51
